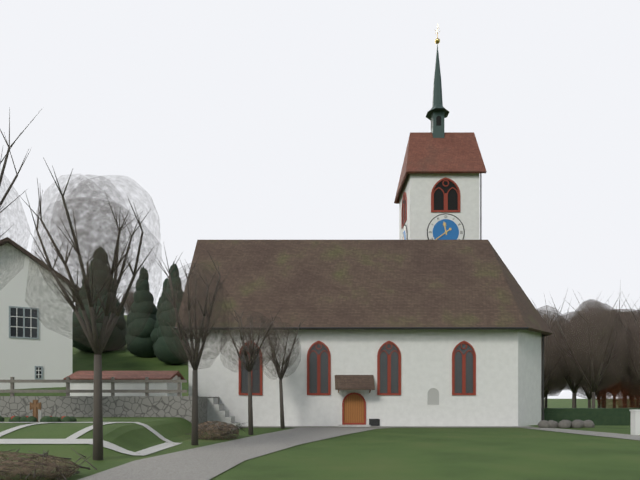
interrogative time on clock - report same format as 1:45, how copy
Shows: 11:39
